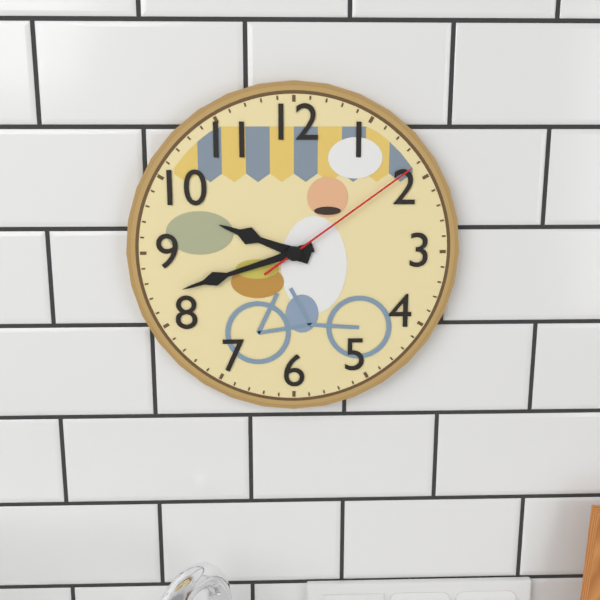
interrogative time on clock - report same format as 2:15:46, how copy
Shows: 9:42:09
